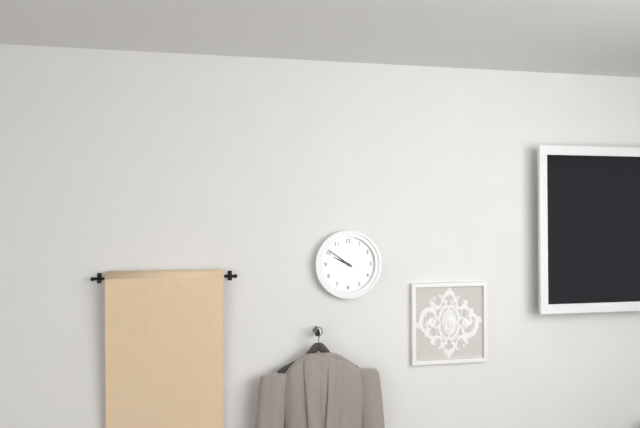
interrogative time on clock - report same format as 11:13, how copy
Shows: 9:51
